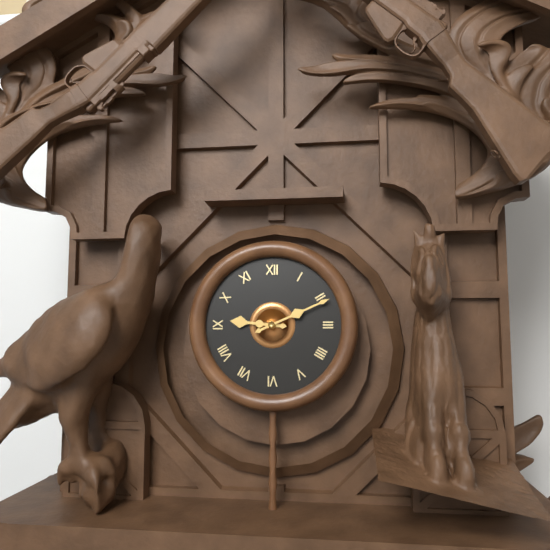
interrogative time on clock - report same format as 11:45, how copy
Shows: 9:11
